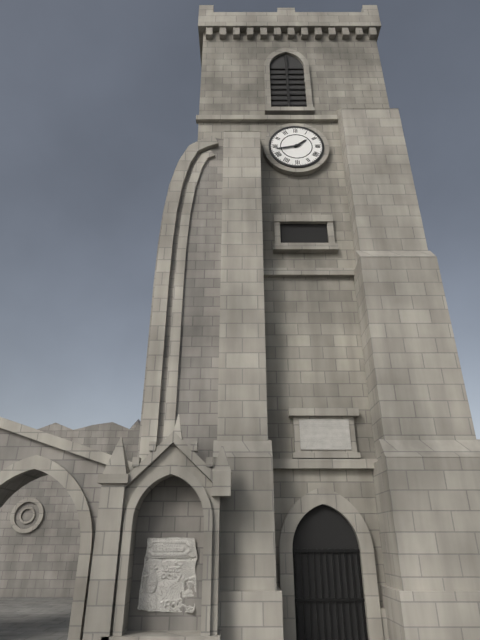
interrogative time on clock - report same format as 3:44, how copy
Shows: 1:43
